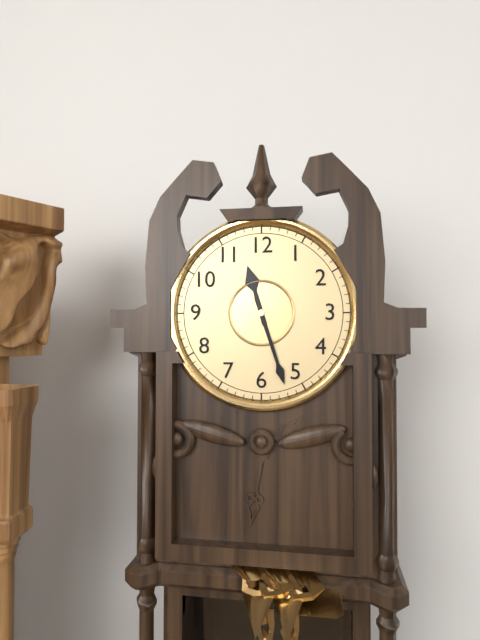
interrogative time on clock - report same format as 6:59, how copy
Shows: 11:27
